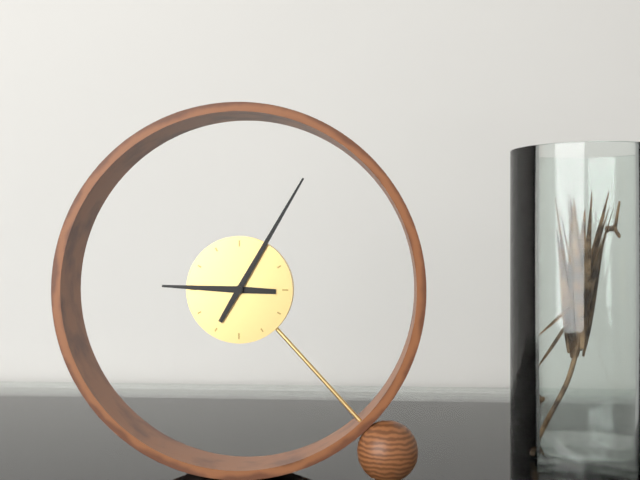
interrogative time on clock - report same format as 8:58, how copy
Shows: 9:05
